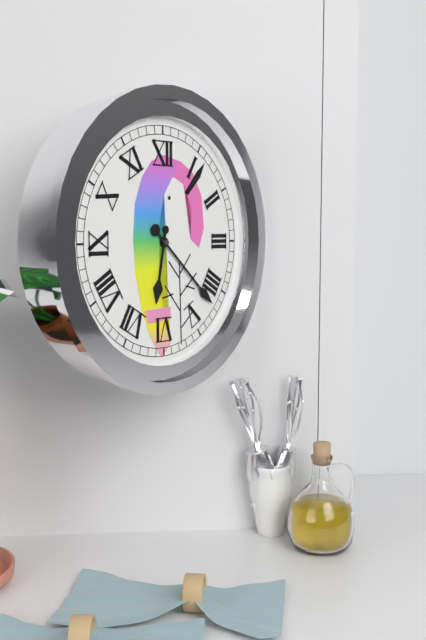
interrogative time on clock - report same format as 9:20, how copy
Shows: 6:22
